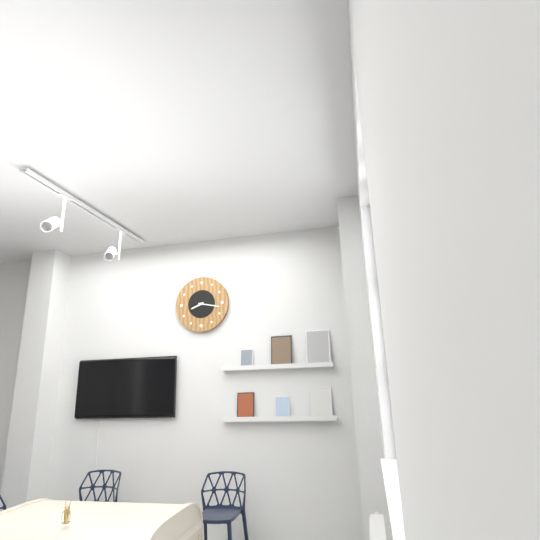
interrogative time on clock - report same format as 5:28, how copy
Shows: 8:17
